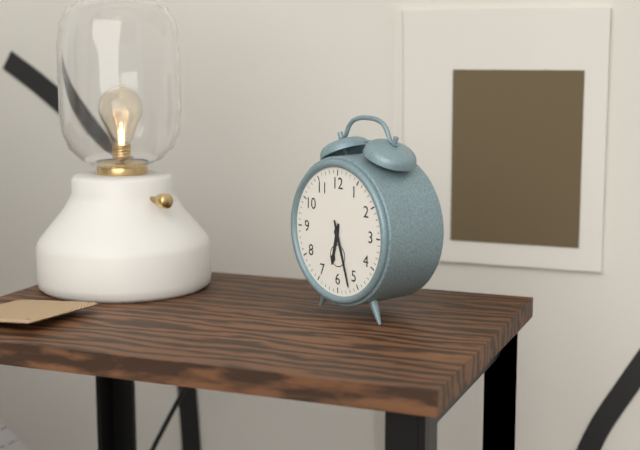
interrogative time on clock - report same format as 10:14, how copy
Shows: 6:27
